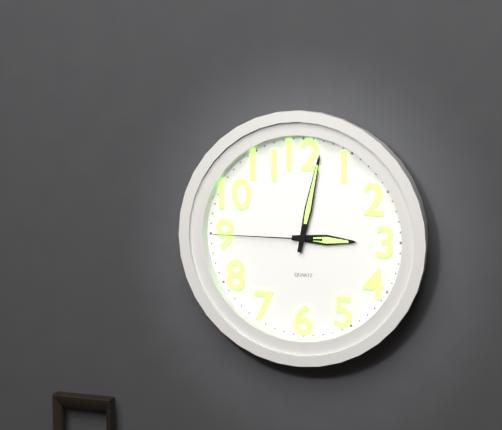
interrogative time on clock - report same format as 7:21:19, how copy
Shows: 3:02:45
